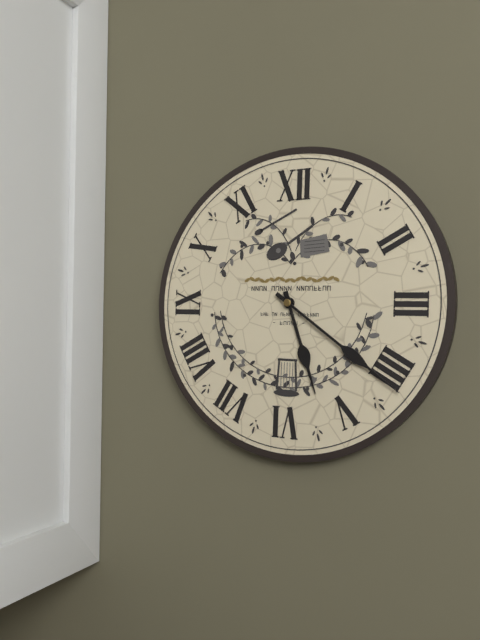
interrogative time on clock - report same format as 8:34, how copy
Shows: 5:21
